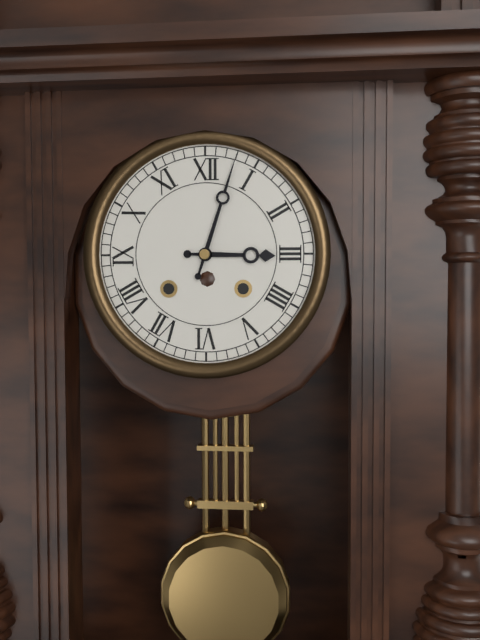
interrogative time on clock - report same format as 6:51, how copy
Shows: 3:03
